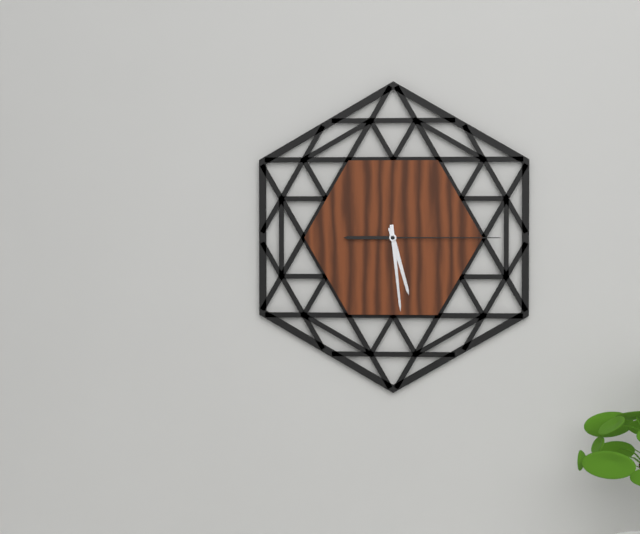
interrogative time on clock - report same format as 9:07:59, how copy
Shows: 5:29:15
